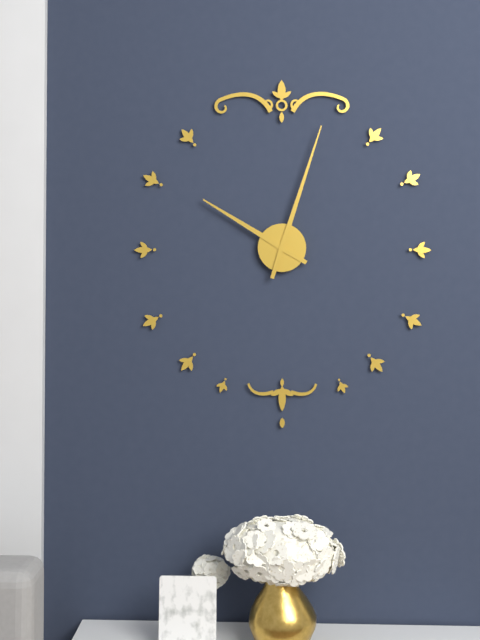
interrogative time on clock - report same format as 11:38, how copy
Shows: 10:03
